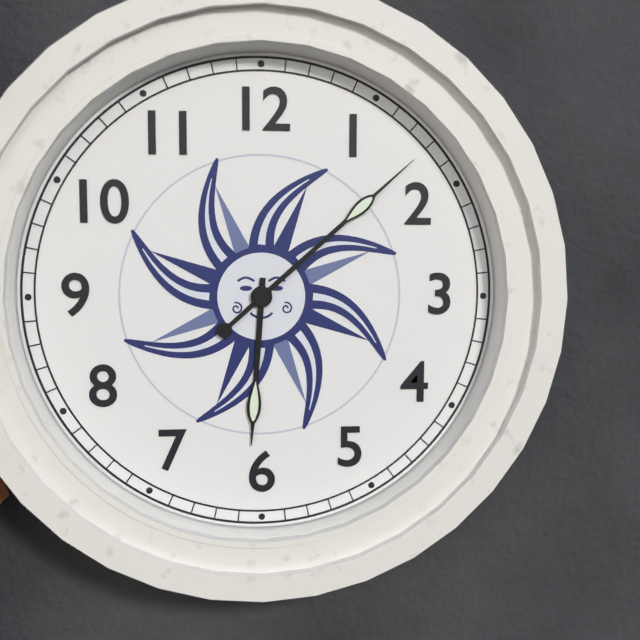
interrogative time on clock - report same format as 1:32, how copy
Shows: 6:08
